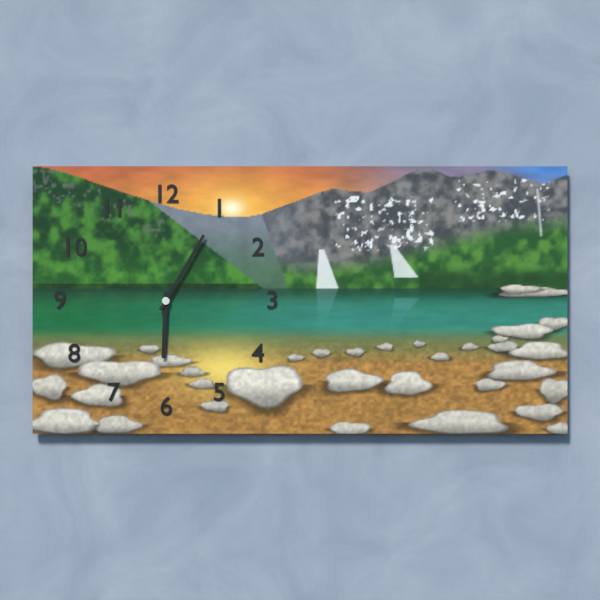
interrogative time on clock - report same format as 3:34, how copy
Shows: 6:05
